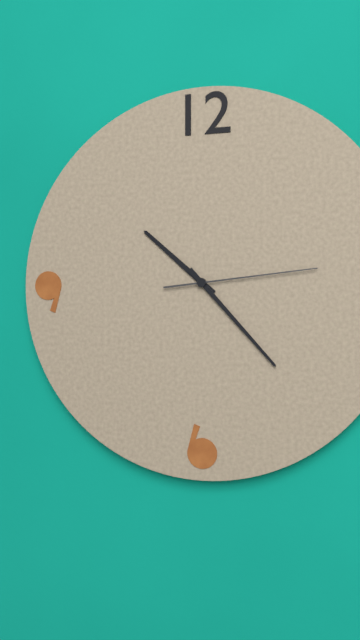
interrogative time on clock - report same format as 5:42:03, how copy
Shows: 10:23:14
